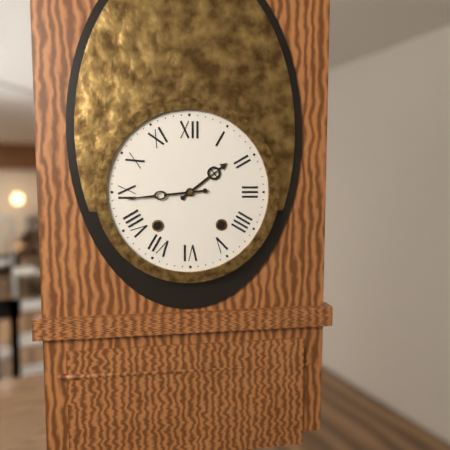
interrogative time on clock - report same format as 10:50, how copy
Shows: 1:44
